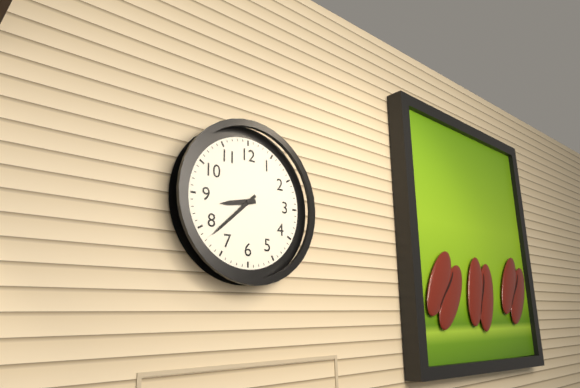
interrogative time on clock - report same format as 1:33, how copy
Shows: 8:38
